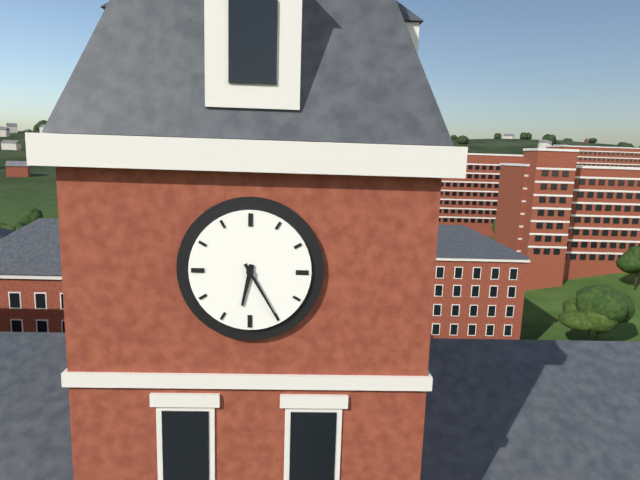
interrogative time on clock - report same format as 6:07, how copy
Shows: 6:25
